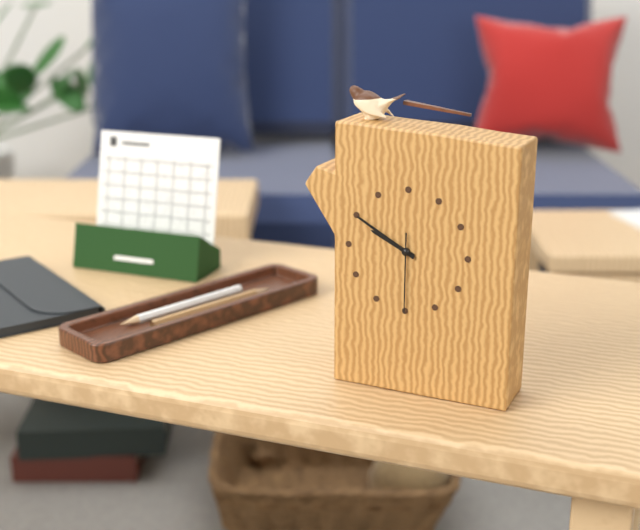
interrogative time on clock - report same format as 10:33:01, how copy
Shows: 9:50:30
